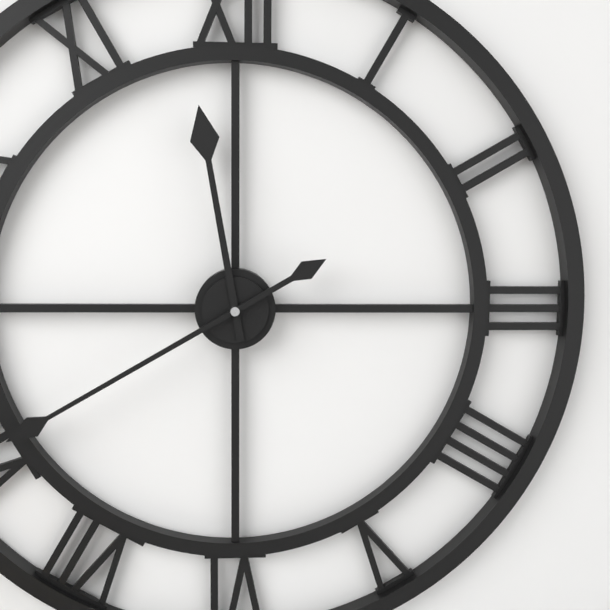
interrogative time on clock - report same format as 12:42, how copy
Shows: 11:40
